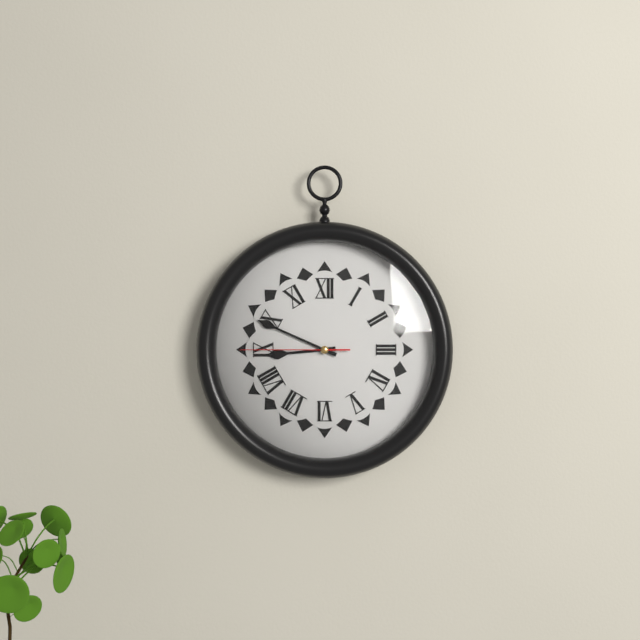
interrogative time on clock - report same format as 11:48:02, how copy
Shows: 8:49:45
